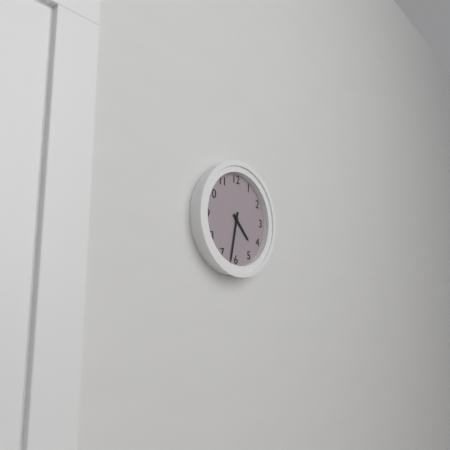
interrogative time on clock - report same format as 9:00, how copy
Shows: 4:32
